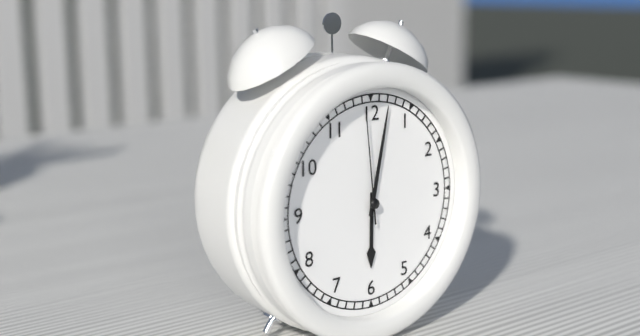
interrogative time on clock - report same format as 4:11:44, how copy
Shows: 6:02:59
